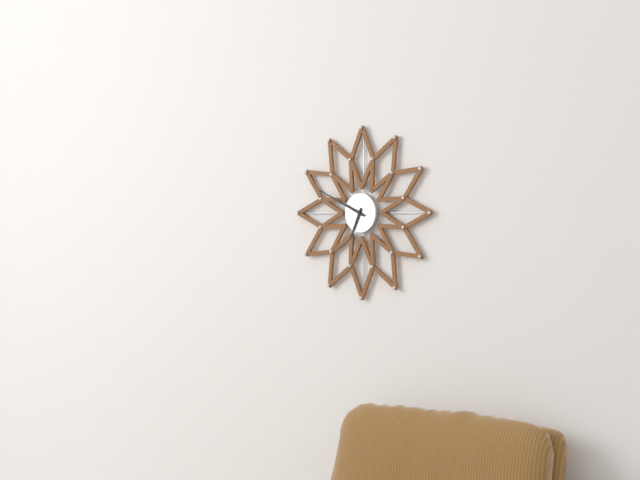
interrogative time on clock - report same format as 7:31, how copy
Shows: 6:49
